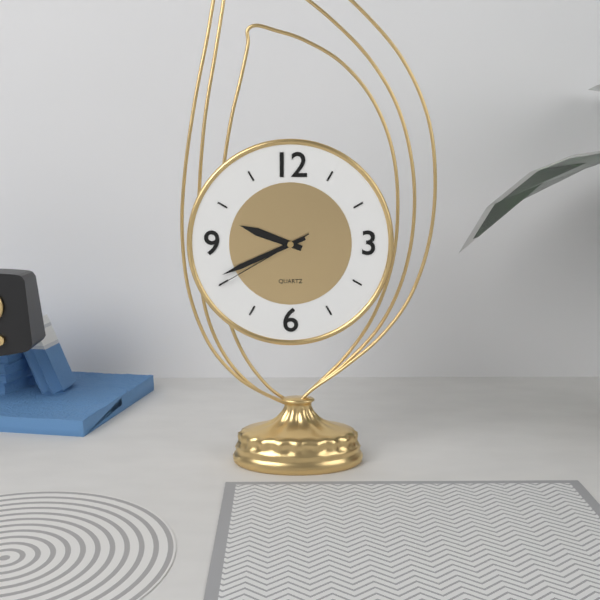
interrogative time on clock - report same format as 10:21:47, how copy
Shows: 9:41:40
